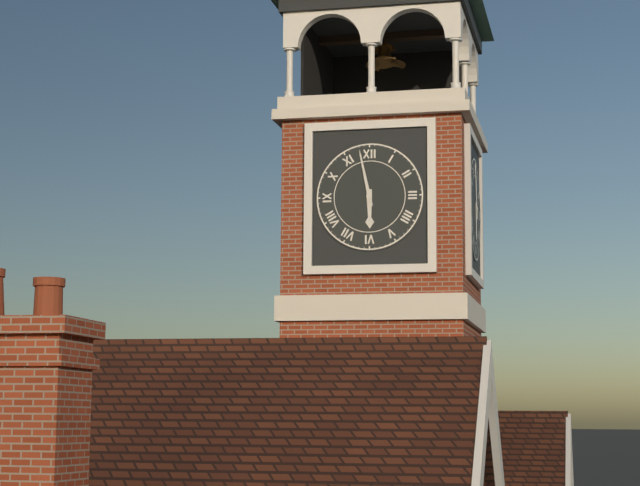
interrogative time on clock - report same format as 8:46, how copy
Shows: 5:58
